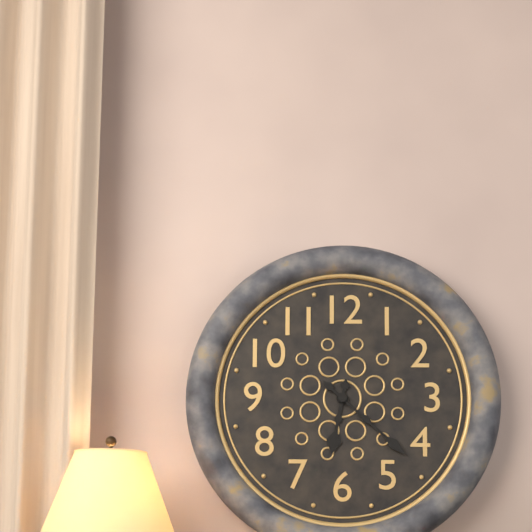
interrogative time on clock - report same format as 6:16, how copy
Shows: 6:22
